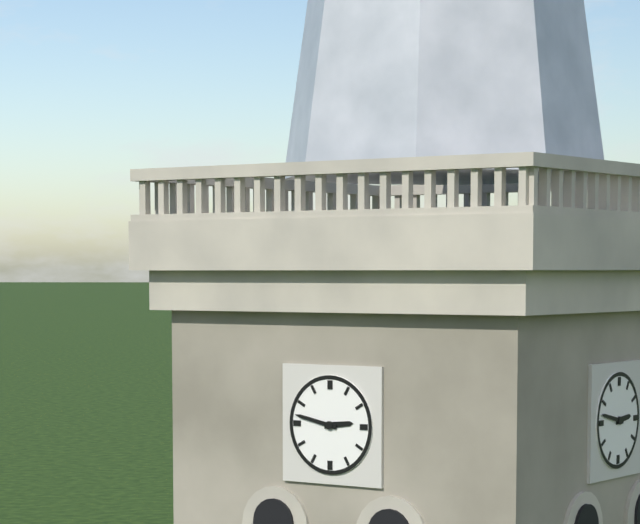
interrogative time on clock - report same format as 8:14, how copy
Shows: 2:47
